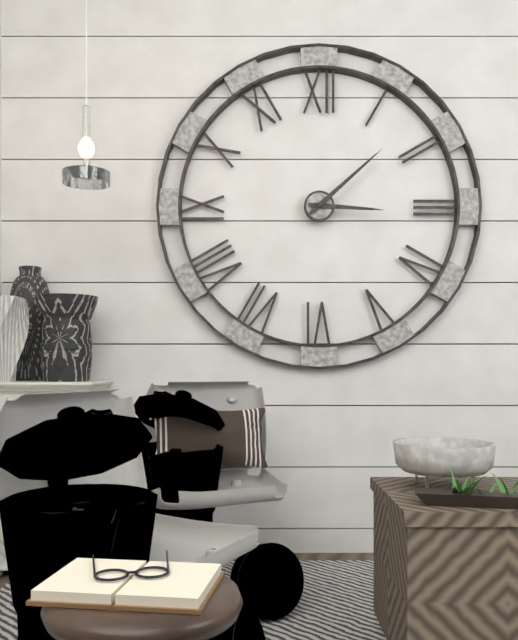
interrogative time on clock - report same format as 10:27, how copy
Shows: 3:08
